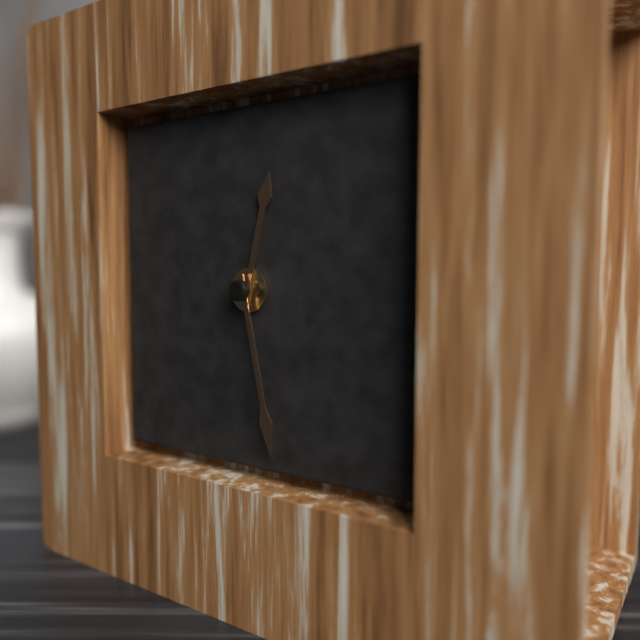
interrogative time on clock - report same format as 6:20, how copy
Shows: 12:28
